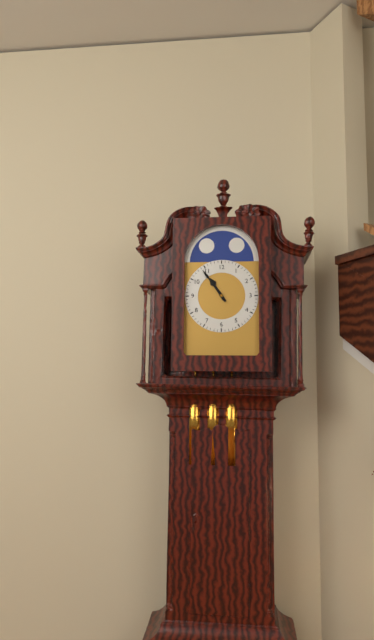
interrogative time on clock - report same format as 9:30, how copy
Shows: 10:54
